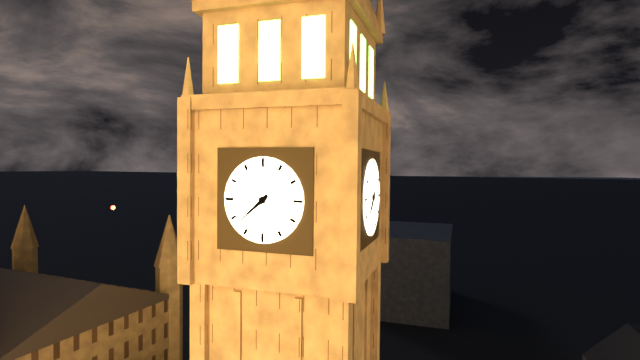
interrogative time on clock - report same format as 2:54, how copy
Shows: 7:38
